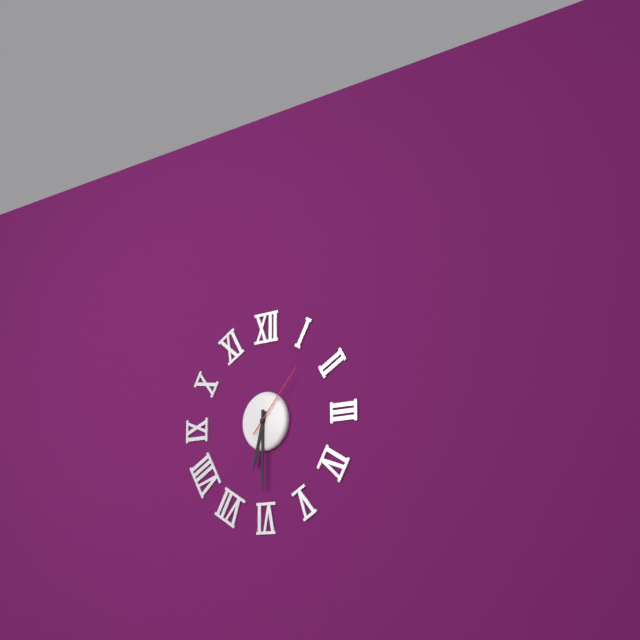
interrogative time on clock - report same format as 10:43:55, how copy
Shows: 6:30:07
